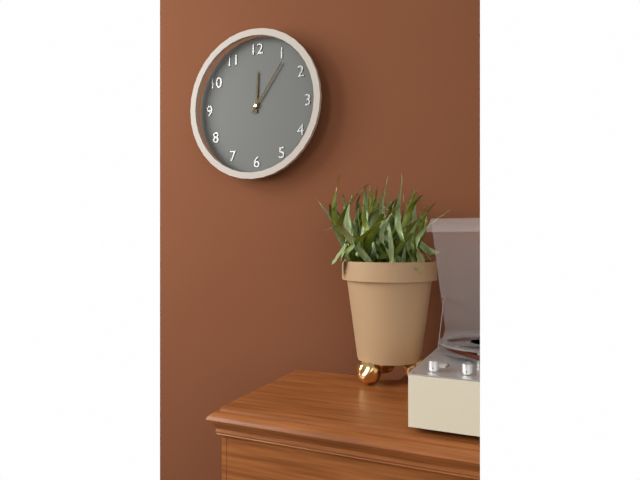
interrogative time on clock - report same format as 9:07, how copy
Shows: 12:06
